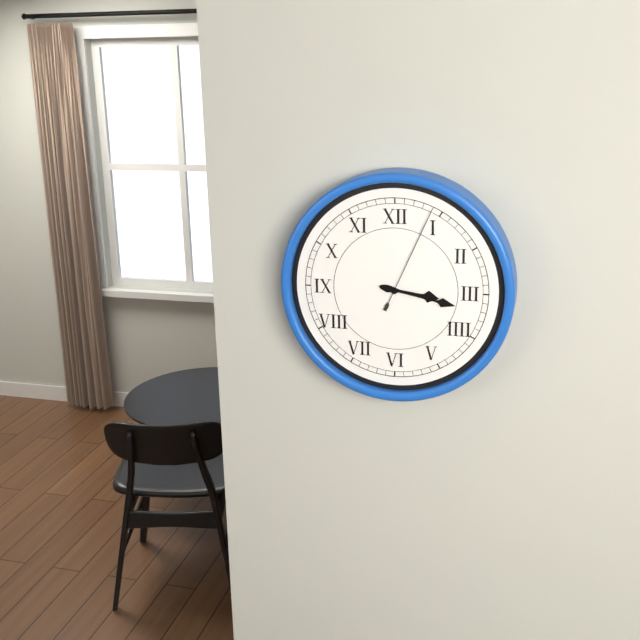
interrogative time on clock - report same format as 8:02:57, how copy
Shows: 3:17:04
